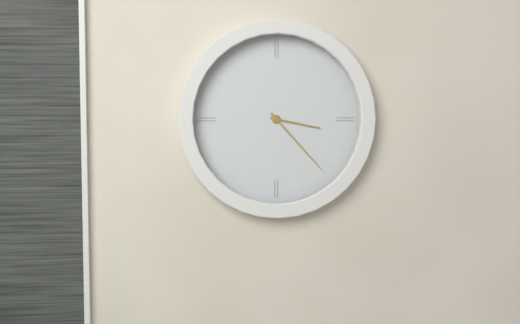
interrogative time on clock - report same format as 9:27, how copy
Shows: 3:23
